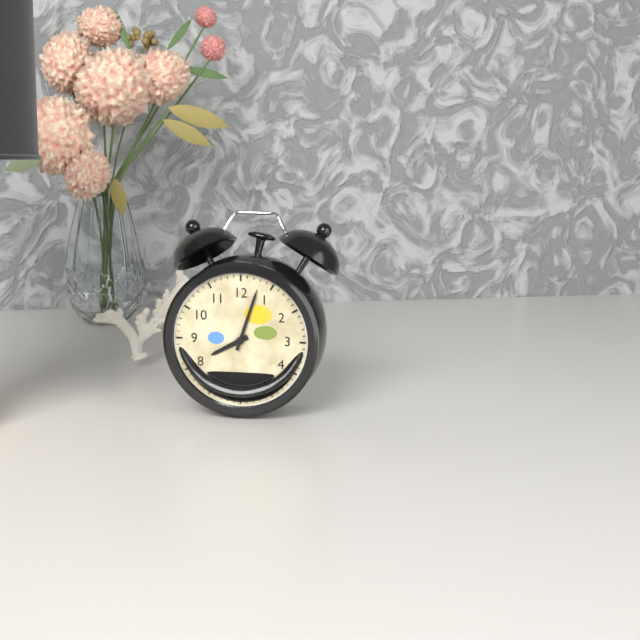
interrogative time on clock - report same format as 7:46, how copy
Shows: 8:03
